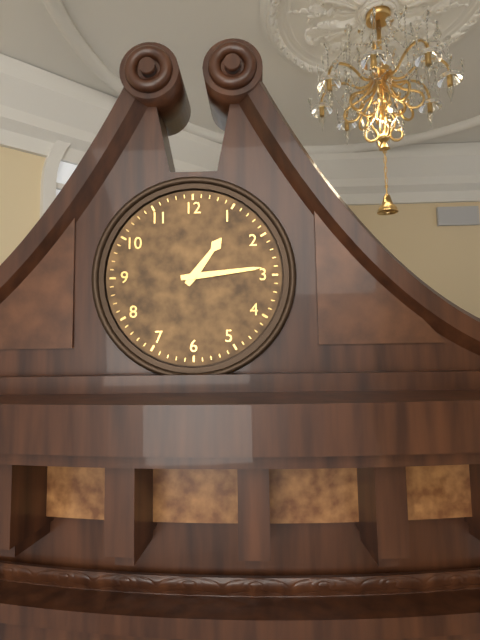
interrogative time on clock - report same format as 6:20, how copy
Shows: 1:14
